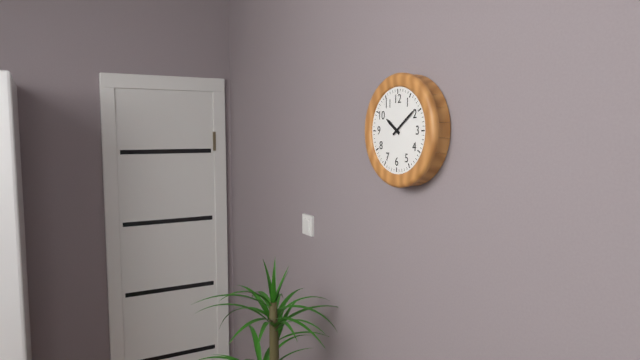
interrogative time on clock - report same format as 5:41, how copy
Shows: 10:09
